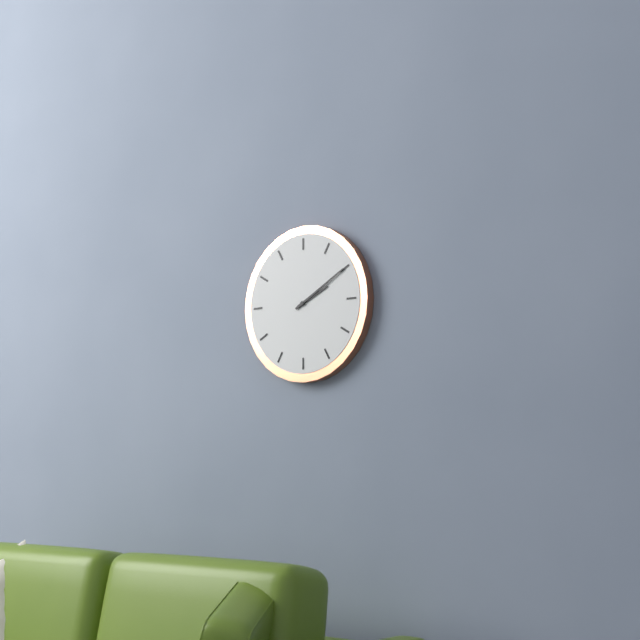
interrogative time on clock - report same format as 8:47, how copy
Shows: 2:10
